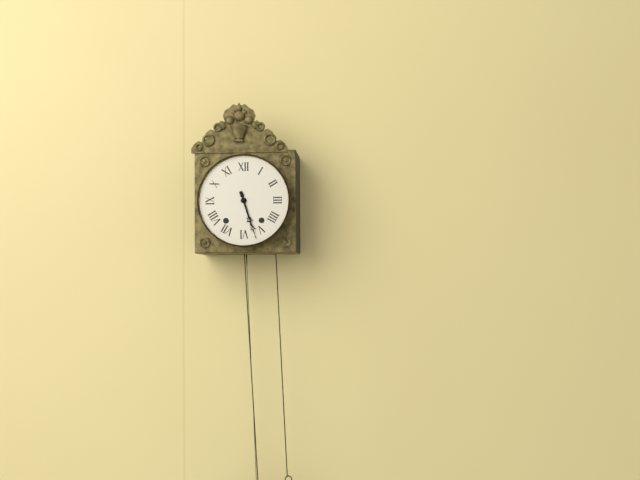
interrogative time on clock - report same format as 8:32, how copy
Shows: 5:27
